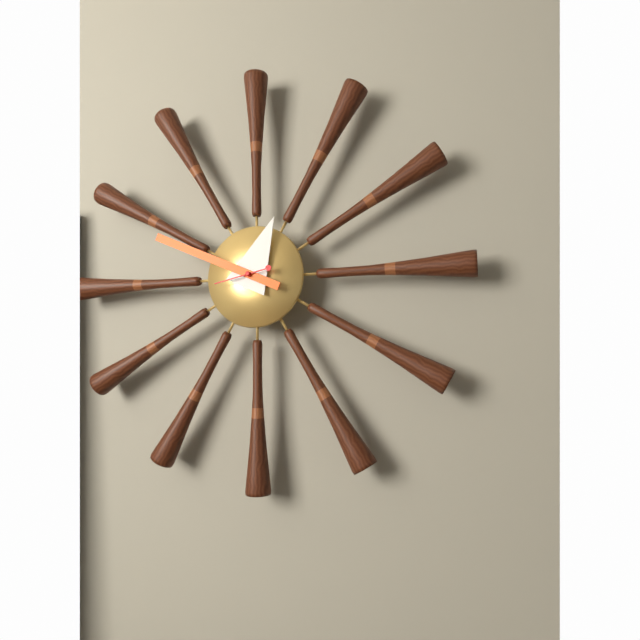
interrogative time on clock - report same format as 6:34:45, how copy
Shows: 12:49:43
